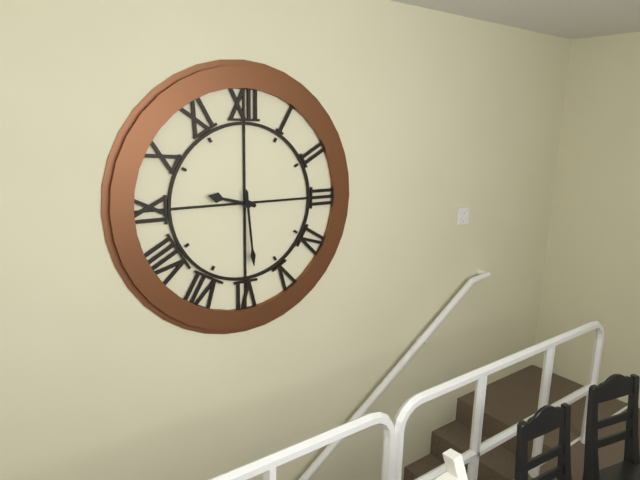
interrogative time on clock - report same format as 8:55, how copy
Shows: 9:29
